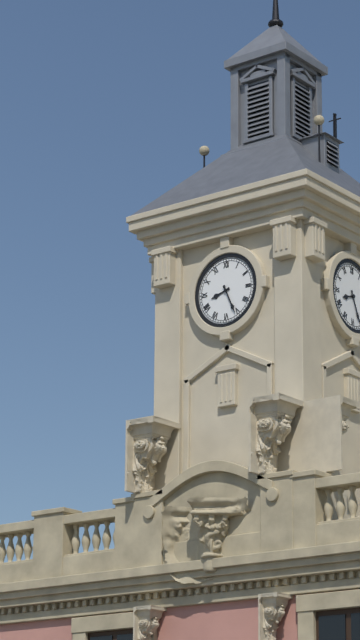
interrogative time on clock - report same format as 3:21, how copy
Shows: 8:26
